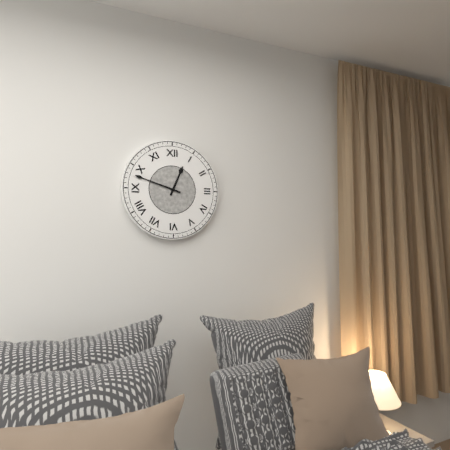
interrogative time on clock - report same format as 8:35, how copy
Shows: 12:48
